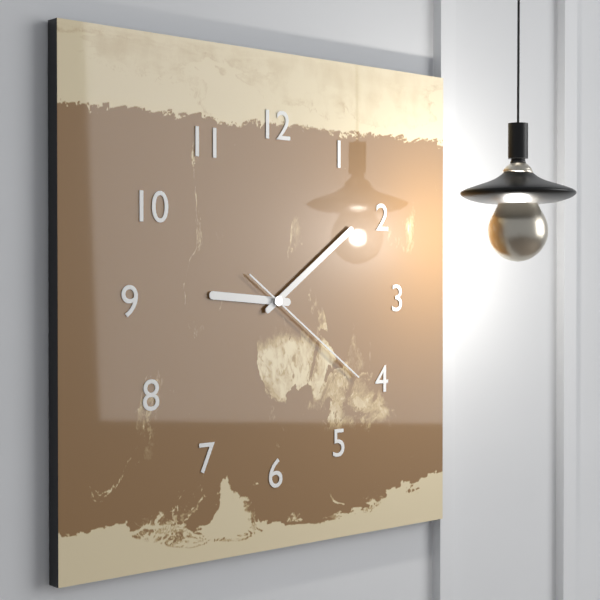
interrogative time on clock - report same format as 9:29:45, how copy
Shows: 9:09:21
